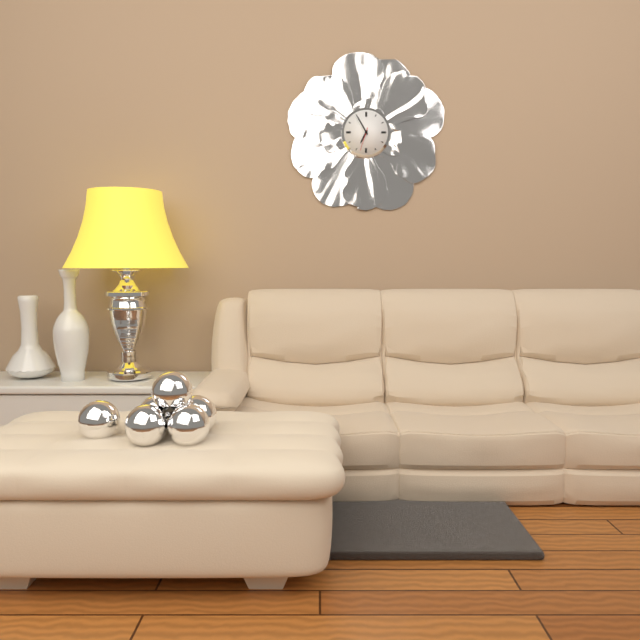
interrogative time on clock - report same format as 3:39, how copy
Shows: 6:55
